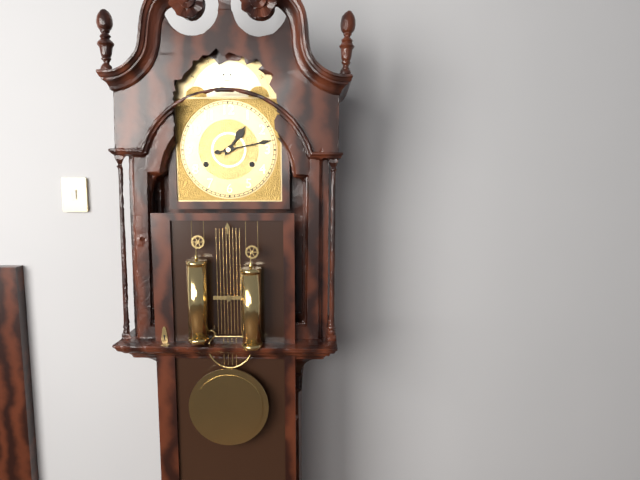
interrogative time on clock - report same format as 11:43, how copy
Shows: 1:13
